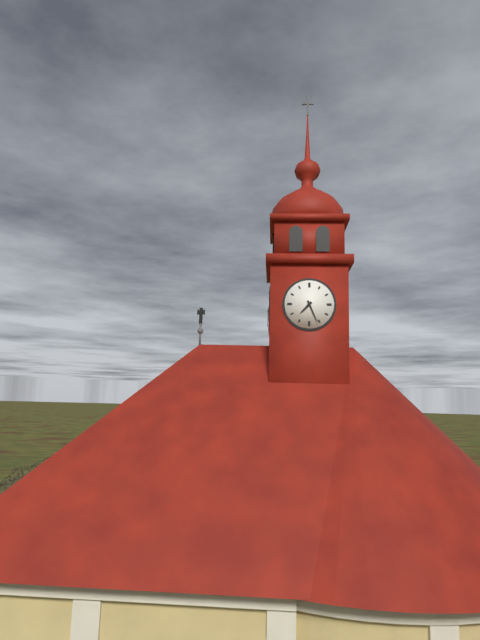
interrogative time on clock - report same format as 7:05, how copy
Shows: 7:26
